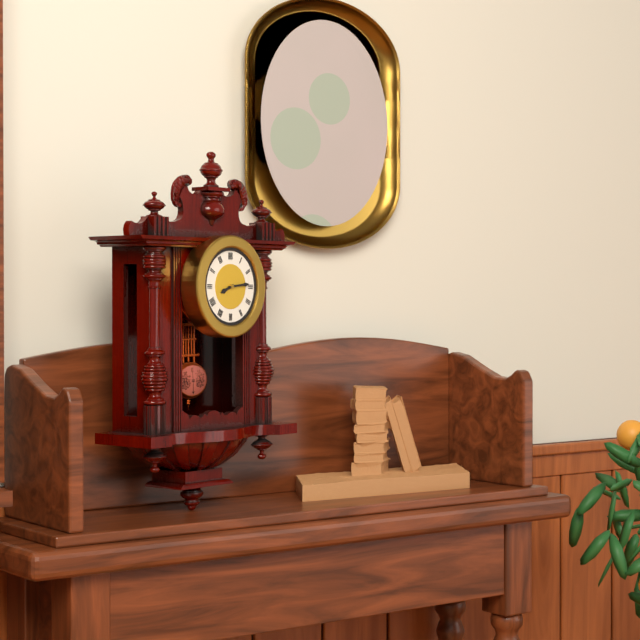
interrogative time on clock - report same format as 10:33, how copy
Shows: 8:14
